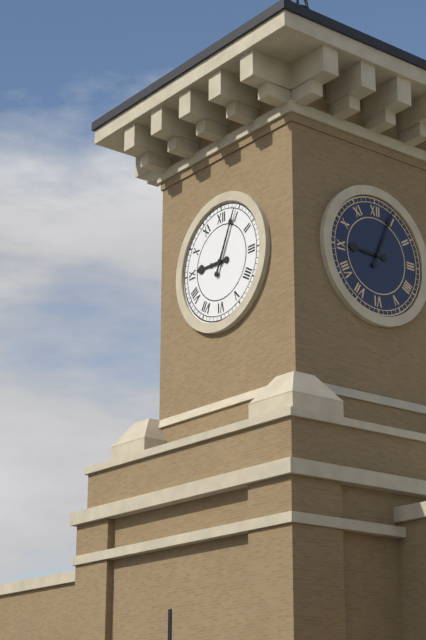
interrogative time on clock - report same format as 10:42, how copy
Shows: 9:04
